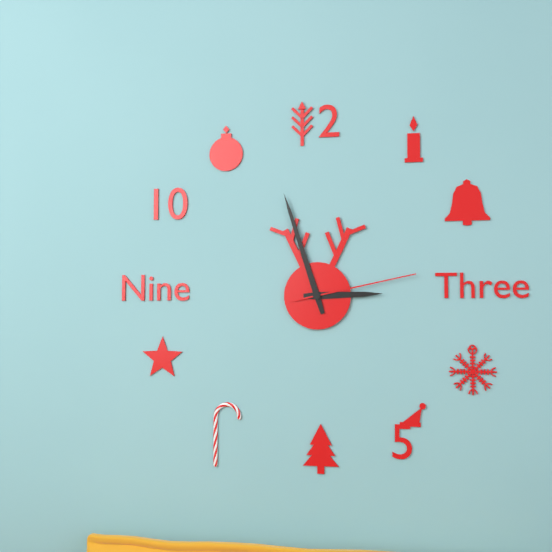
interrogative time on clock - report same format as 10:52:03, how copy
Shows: 2:57:13
